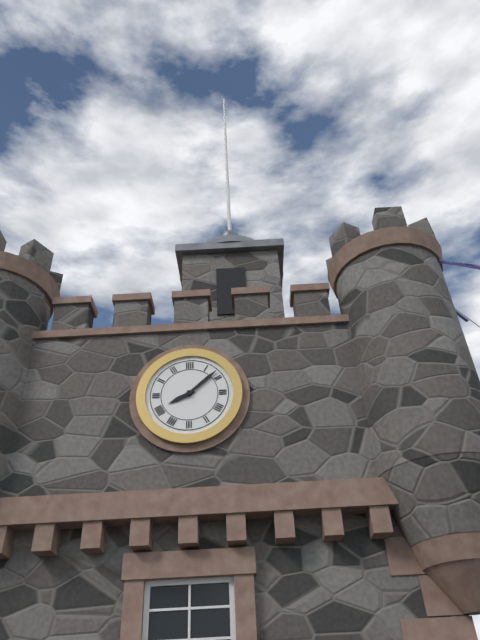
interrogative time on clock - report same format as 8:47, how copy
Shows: 8:08
